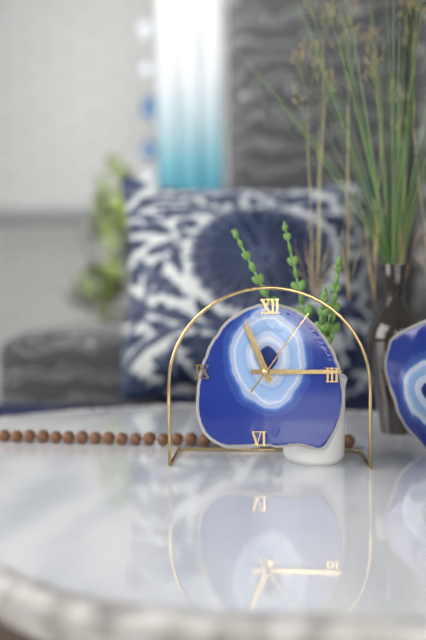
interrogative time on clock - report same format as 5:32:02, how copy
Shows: 11:15:06
